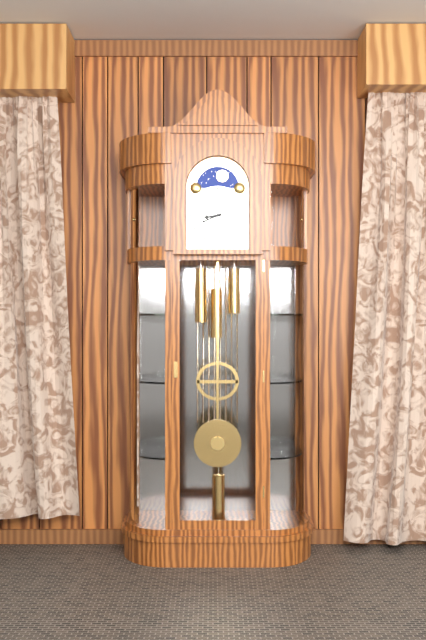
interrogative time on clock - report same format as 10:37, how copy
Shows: 8:41
